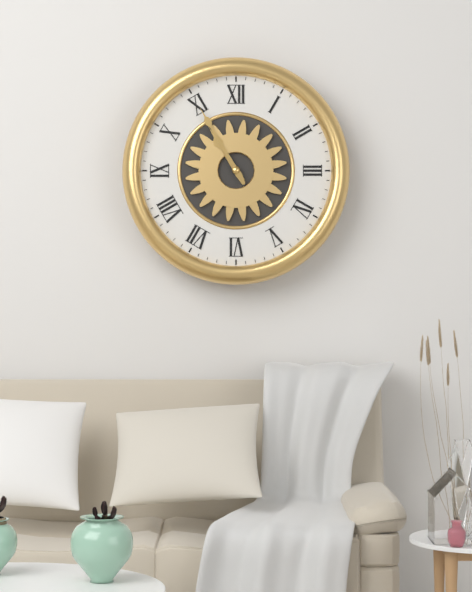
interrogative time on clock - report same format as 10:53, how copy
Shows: 10:55
